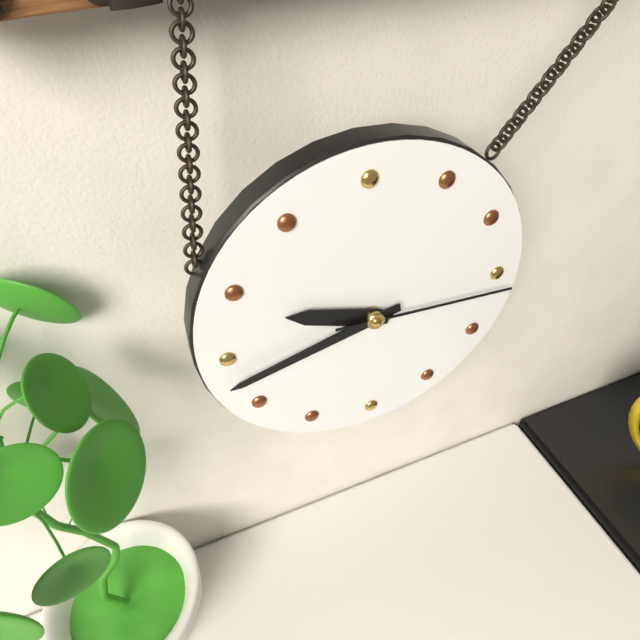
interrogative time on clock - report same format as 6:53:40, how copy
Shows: 9:43:16
